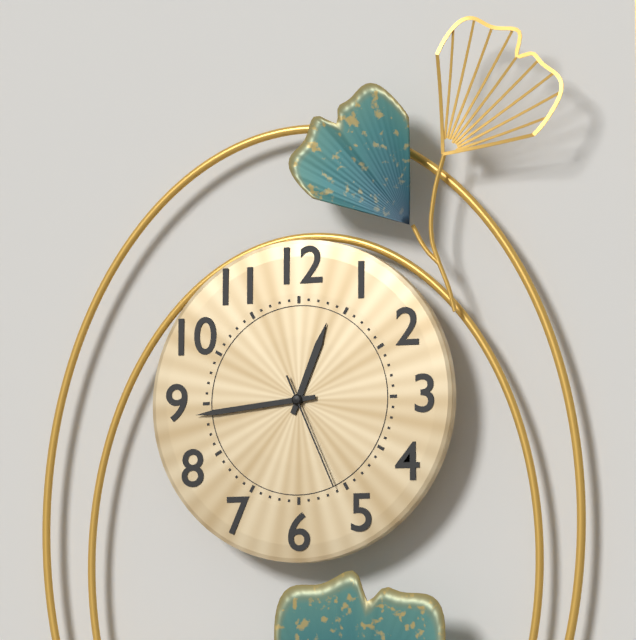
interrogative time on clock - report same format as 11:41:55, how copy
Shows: 12:44:26
